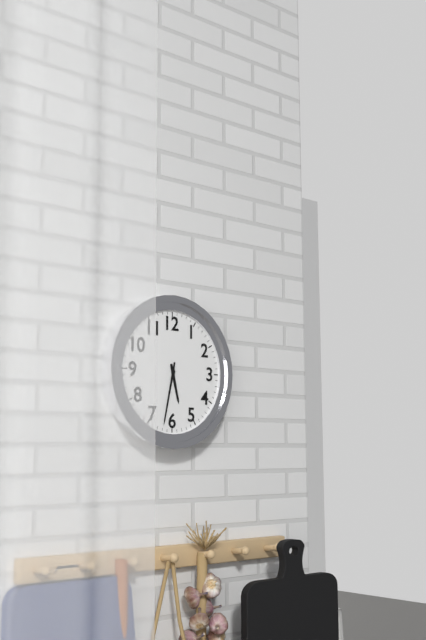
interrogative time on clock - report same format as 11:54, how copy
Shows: 5:32
